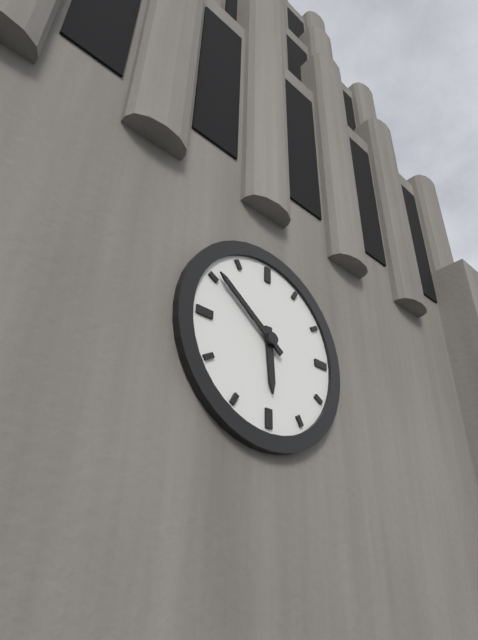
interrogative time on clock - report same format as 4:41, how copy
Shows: 5:51
